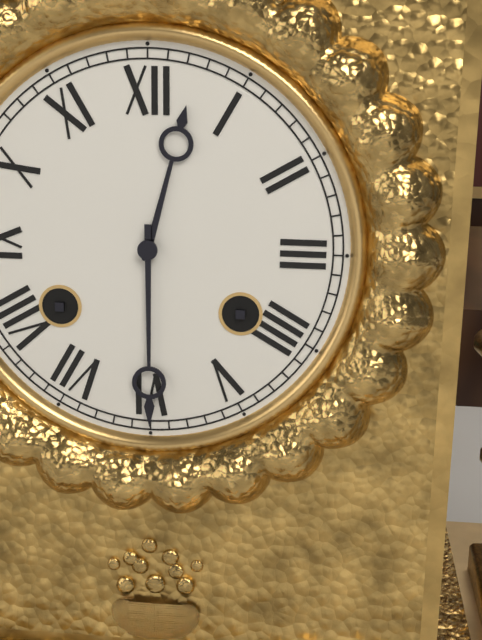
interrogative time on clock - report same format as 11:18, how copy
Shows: 12:30
